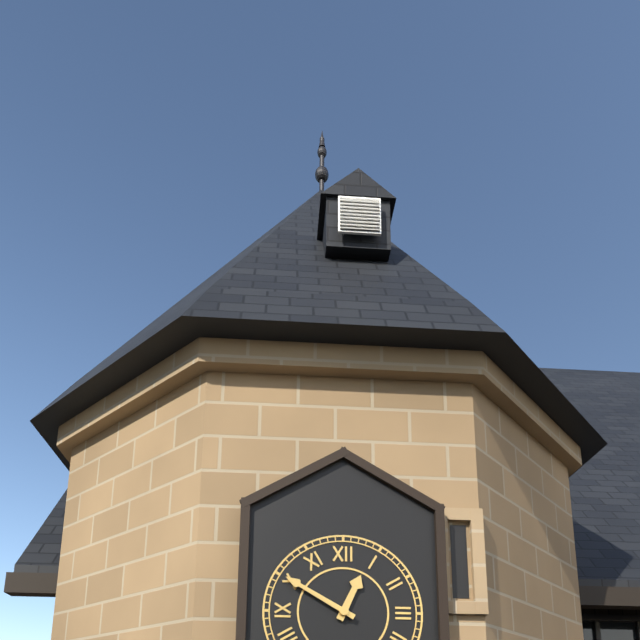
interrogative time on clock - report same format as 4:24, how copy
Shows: 12:50
